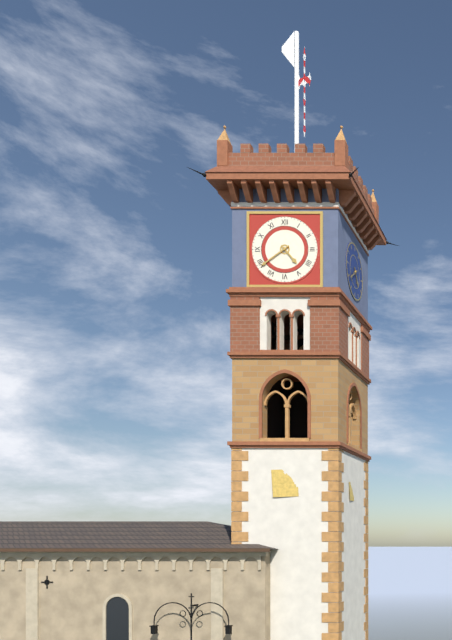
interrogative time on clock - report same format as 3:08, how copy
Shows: 4:39
